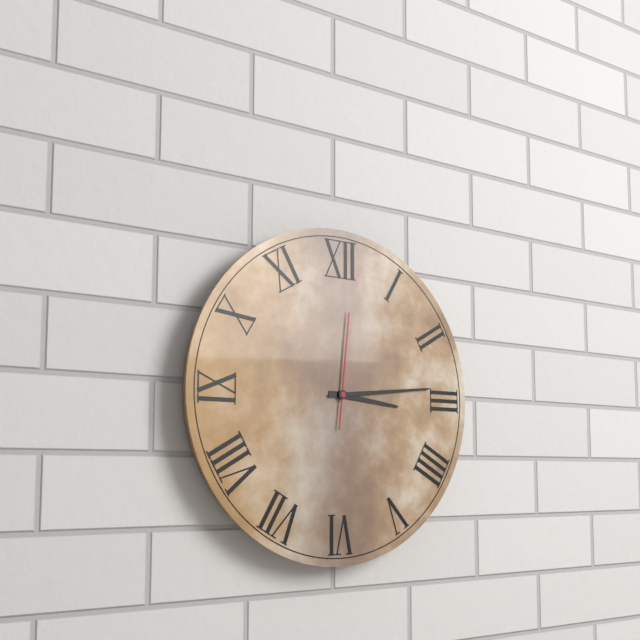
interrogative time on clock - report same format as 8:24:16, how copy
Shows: 3:14:01
